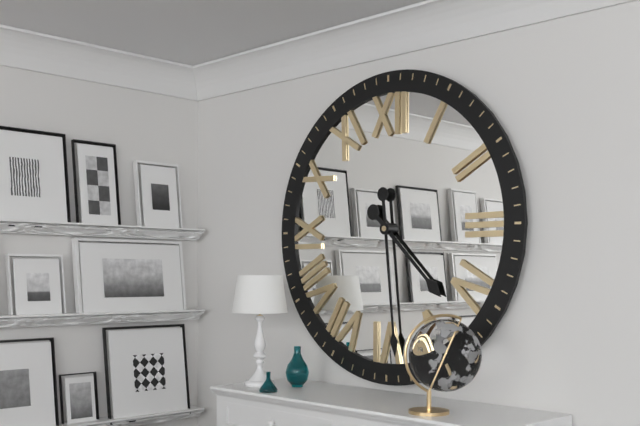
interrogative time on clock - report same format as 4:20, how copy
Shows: 4:29
